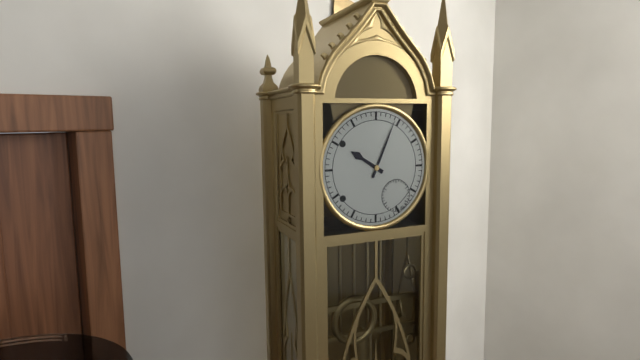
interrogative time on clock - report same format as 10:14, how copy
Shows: 10:04
